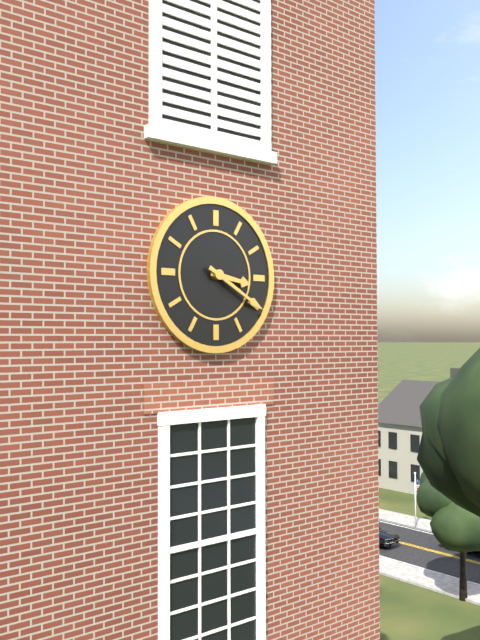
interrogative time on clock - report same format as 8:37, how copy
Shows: 3:20
